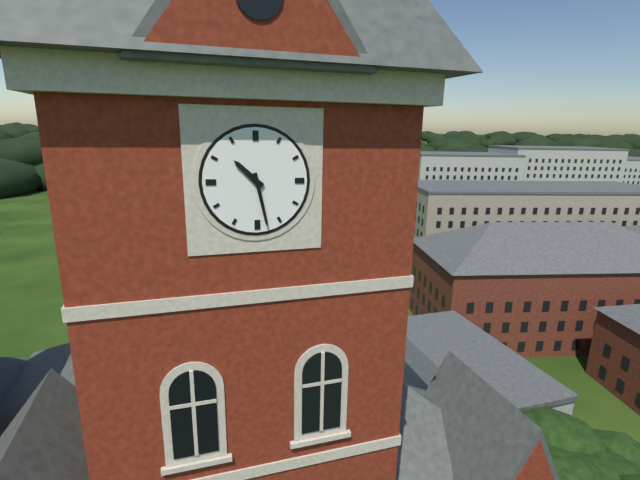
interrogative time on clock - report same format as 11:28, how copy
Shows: 10:28
